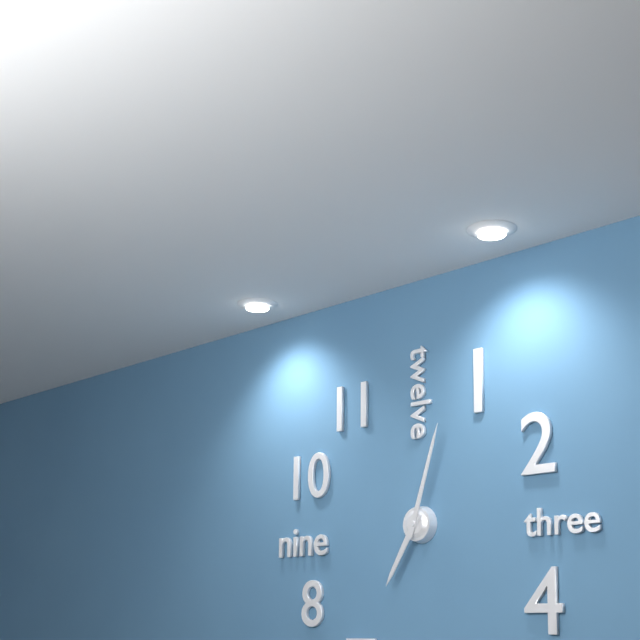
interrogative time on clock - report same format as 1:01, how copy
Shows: 7:03
